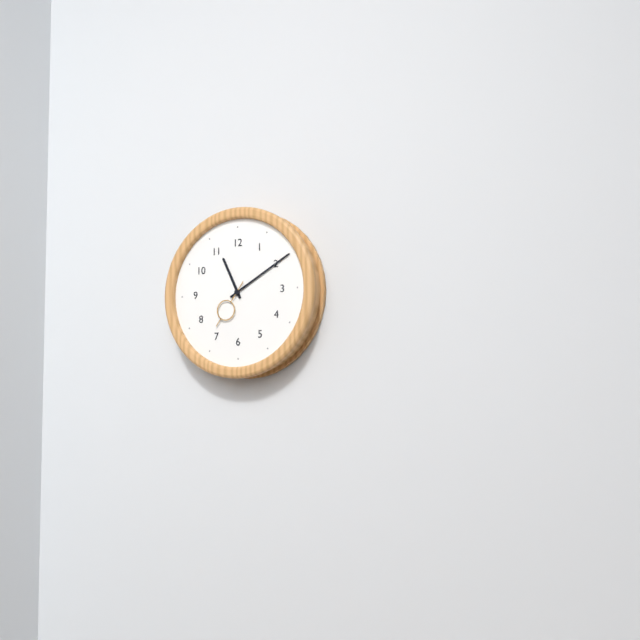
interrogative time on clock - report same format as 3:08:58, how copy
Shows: 11:10:36
